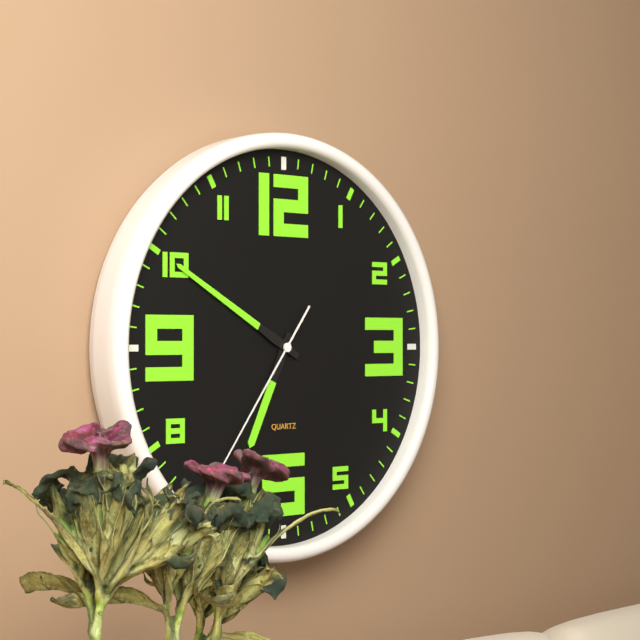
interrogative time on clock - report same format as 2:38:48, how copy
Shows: 6:50:36
